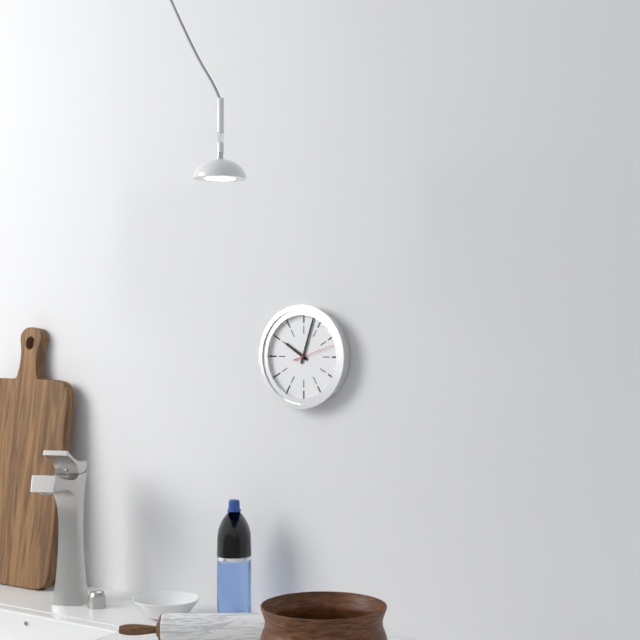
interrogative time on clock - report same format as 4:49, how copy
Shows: 10:03
